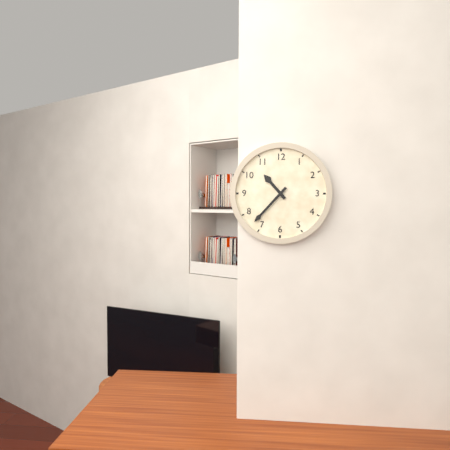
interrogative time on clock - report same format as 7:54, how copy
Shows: 10:37
